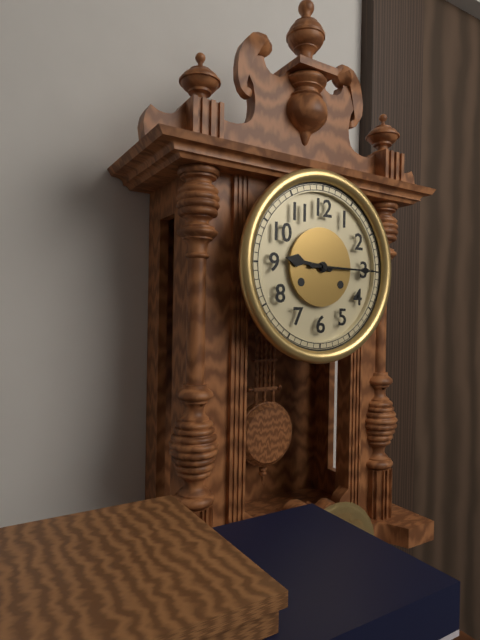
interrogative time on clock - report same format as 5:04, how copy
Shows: 9:15
